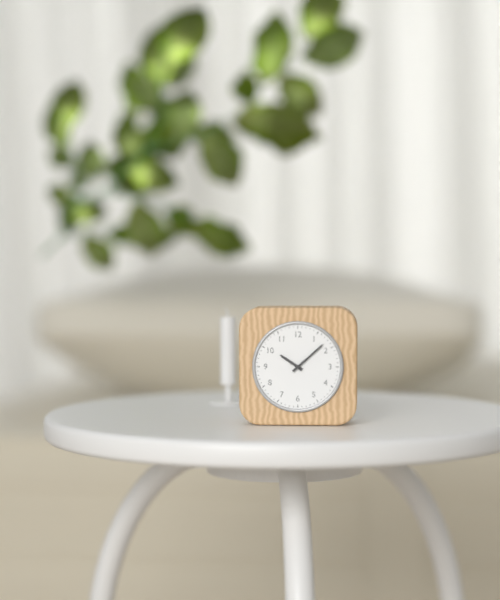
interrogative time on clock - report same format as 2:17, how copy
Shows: 10:08
